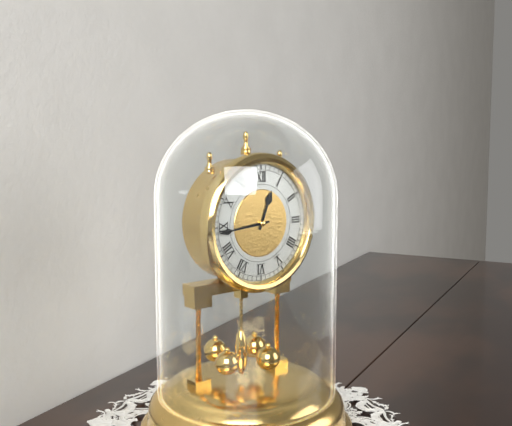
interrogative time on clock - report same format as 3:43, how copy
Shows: 12:44
